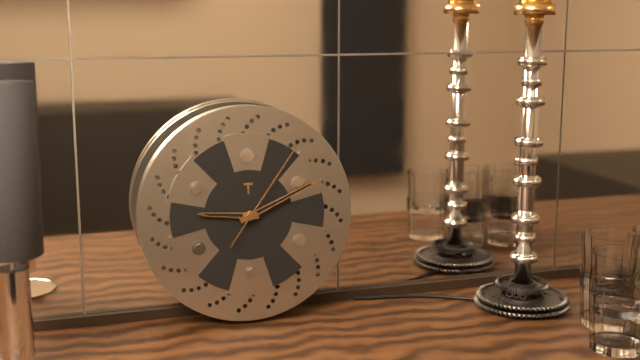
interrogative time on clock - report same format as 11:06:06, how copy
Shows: 9:11:06
